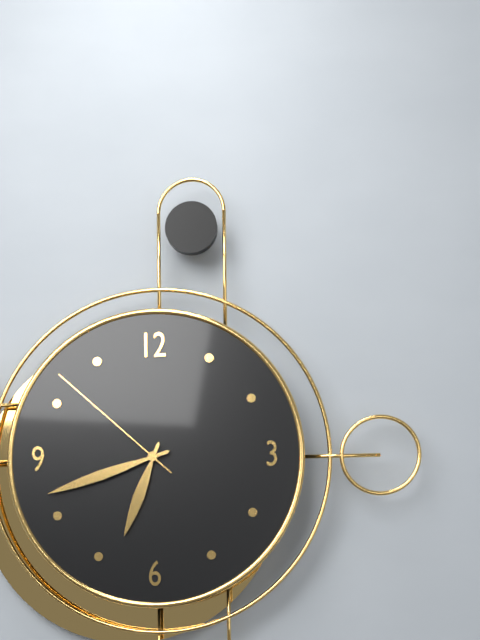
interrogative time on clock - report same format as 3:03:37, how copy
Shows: 6:42:52
